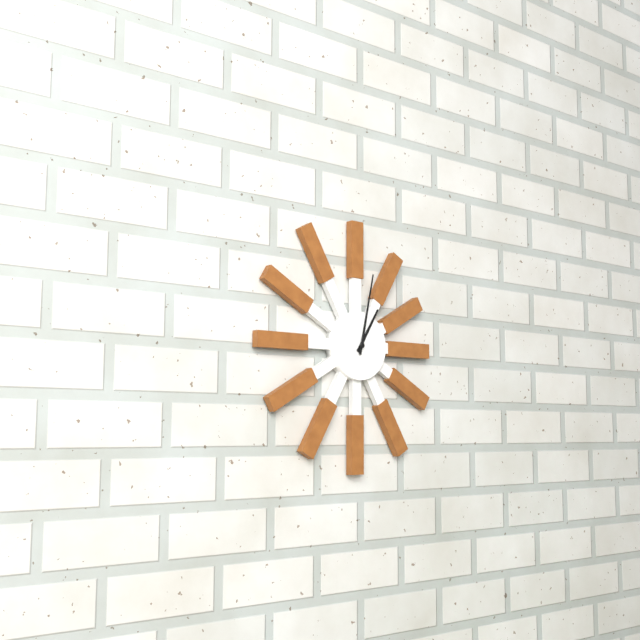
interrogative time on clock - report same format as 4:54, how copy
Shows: 1:02
